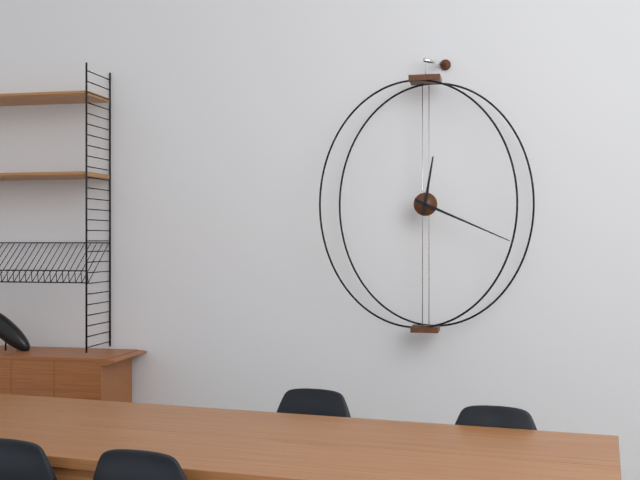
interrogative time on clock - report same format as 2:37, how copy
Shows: 12:19
